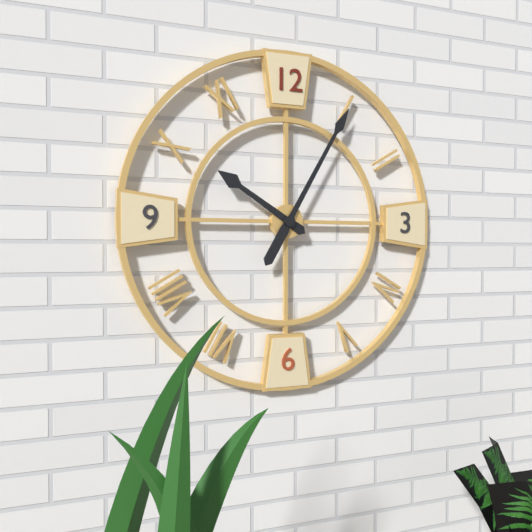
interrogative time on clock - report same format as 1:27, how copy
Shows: 10:05
